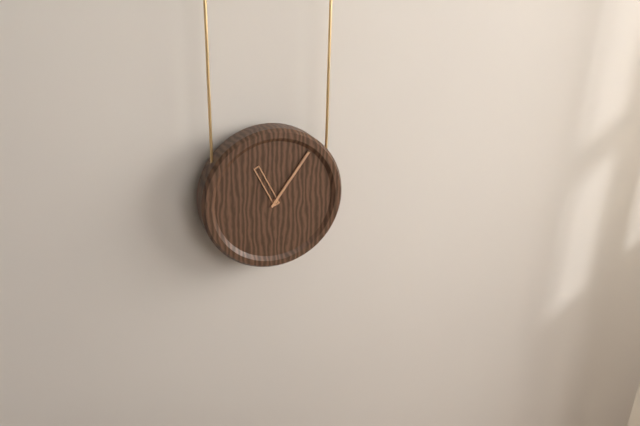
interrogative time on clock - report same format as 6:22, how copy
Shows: 11:06
